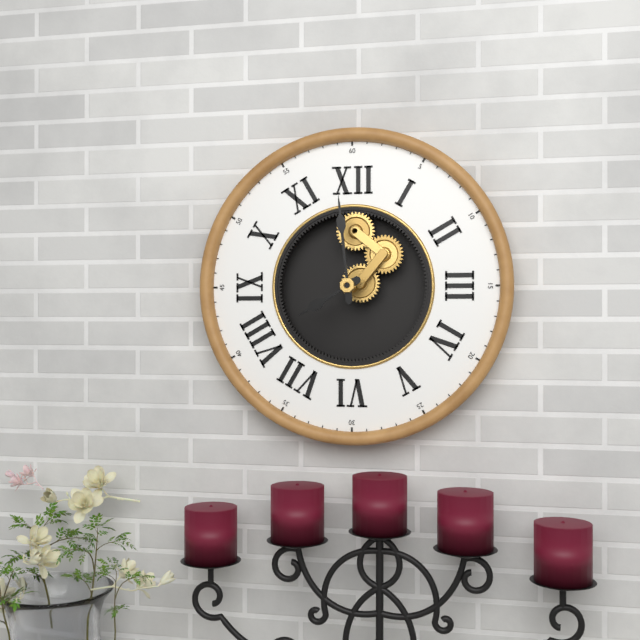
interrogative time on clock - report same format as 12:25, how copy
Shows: 7:59
